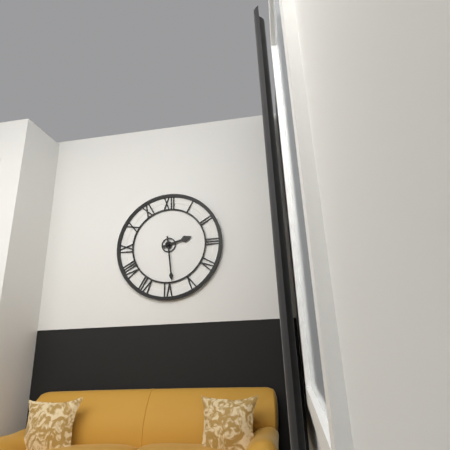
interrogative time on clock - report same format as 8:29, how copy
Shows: 2:29
